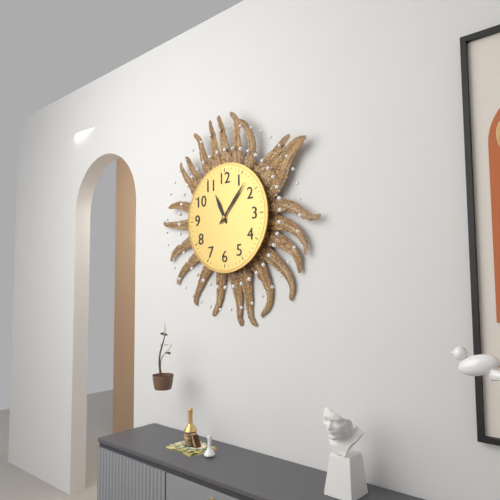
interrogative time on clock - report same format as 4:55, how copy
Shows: 11:07
